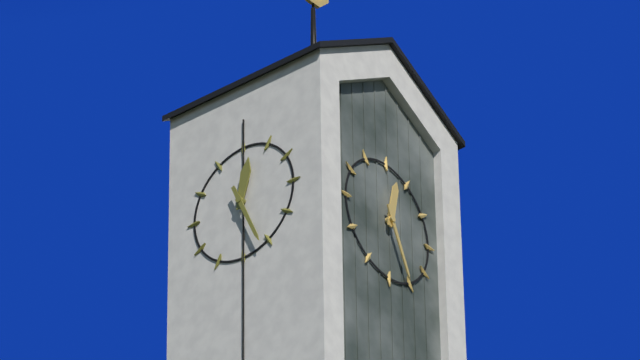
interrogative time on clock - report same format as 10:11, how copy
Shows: 12:26
